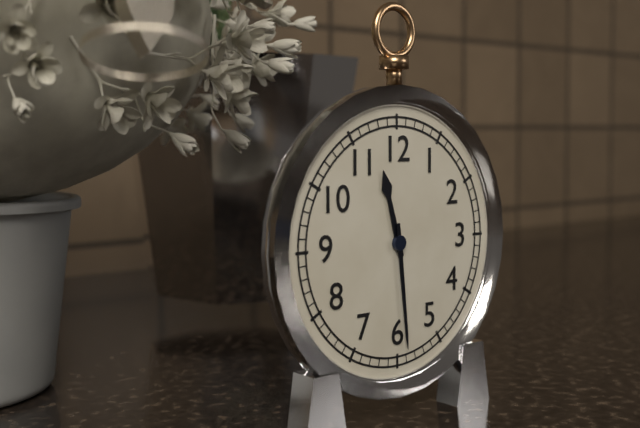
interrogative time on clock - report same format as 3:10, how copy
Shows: 11:29
